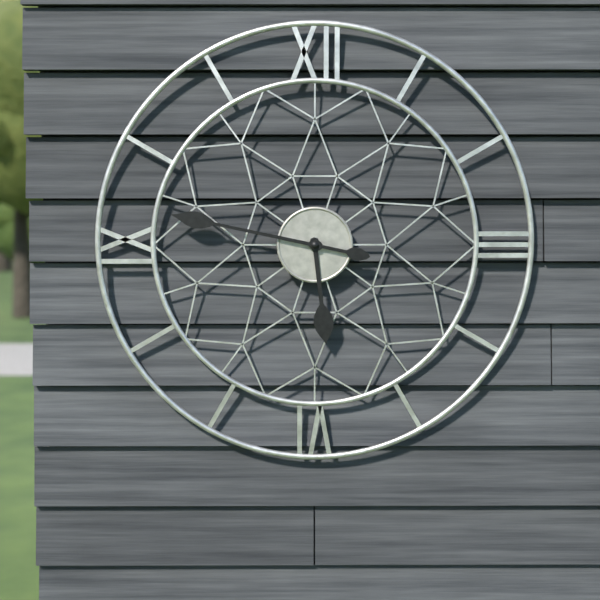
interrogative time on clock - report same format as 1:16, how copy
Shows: 5:47
